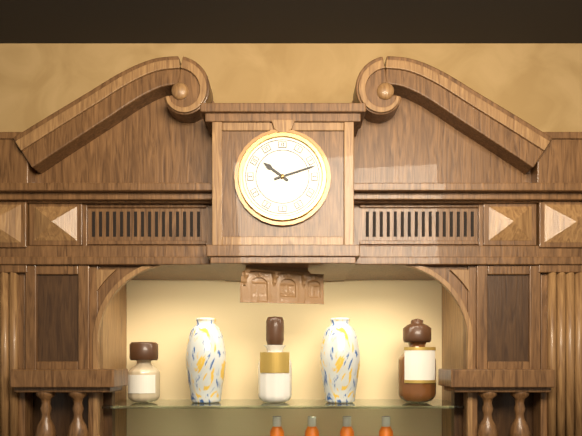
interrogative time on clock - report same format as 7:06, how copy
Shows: 10:12
